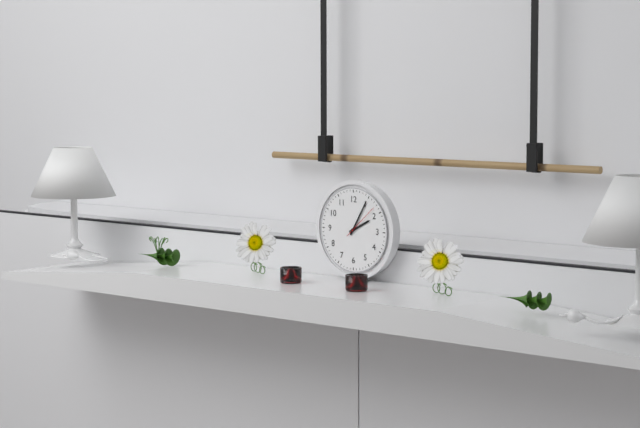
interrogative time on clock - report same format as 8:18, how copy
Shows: 2:05
